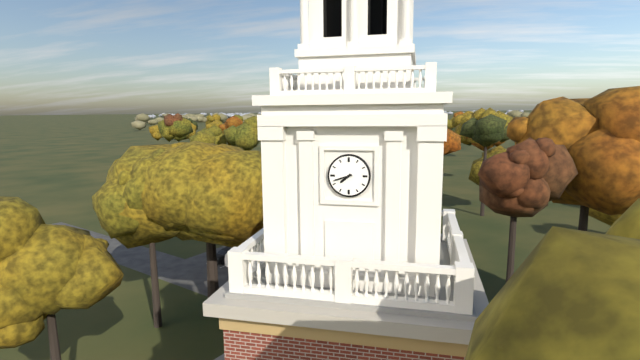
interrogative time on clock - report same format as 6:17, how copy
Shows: 7:42
